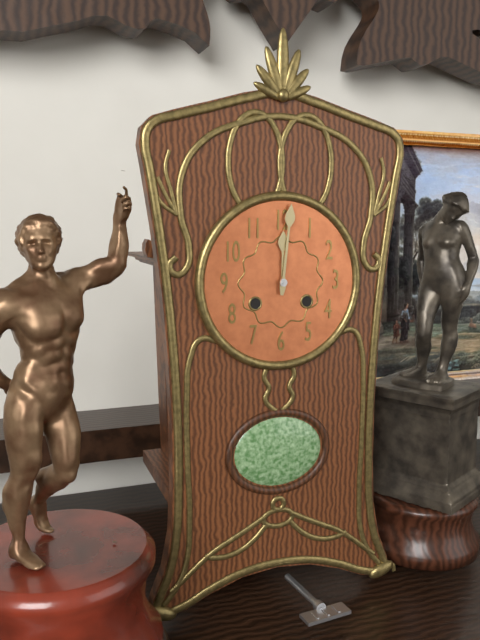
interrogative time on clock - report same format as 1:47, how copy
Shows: 12:01
